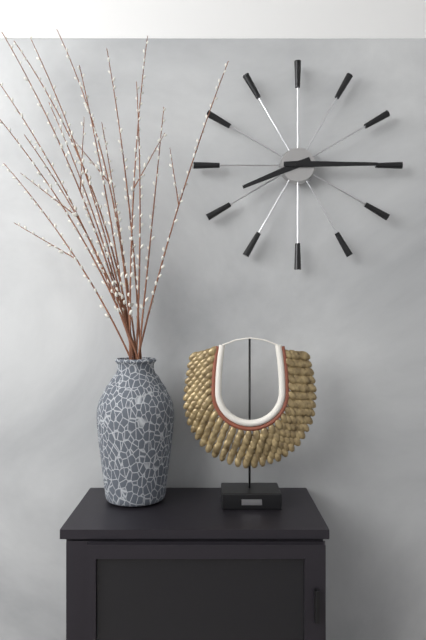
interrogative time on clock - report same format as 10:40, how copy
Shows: 8:15
